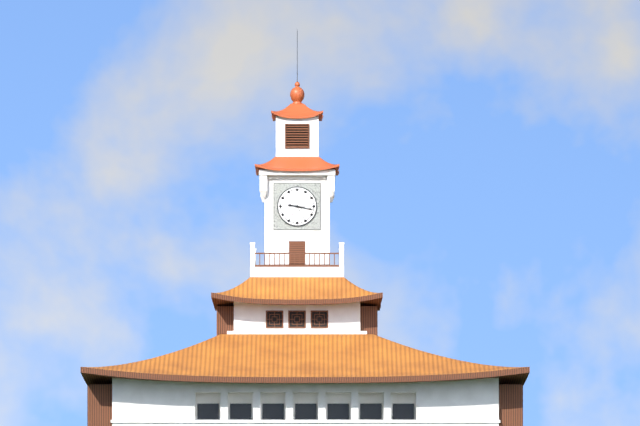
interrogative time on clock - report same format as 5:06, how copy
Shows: 9:17
